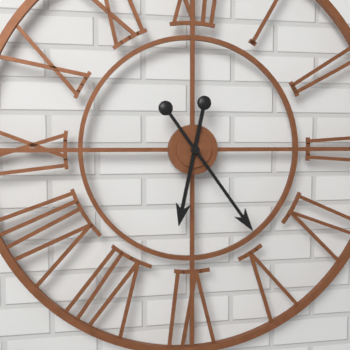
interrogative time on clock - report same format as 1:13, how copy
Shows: 6:24
